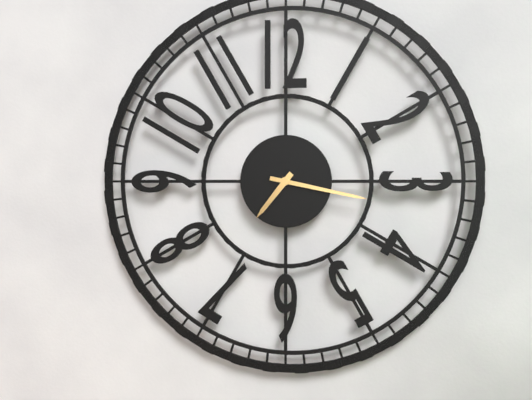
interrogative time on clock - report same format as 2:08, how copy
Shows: 7:17
